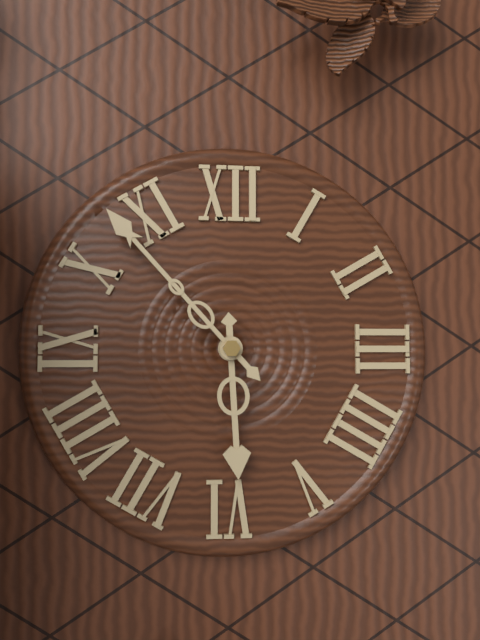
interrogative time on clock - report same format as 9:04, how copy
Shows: 5:53
